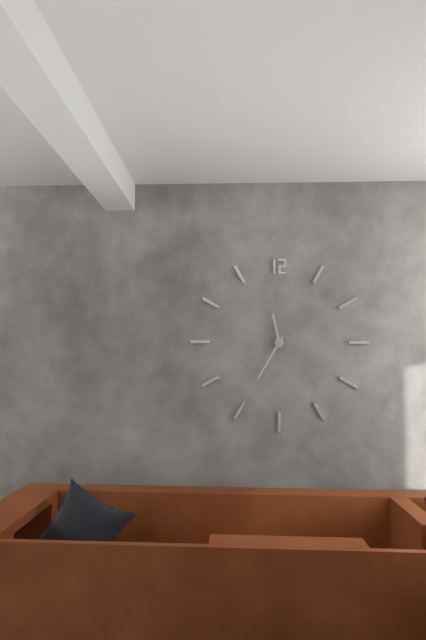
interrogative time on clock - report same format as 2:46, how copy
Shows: 11:35
